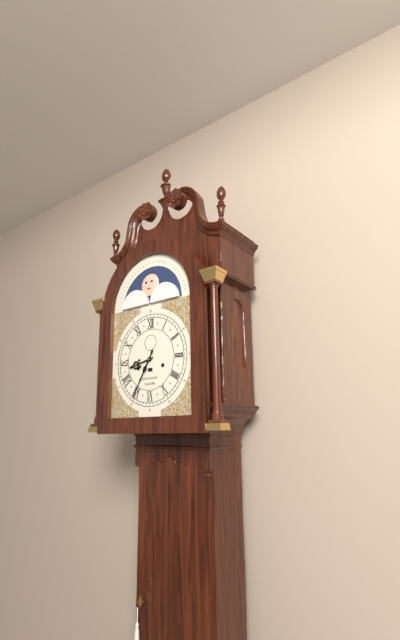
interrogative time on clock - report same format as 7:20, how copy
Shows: 8:35
